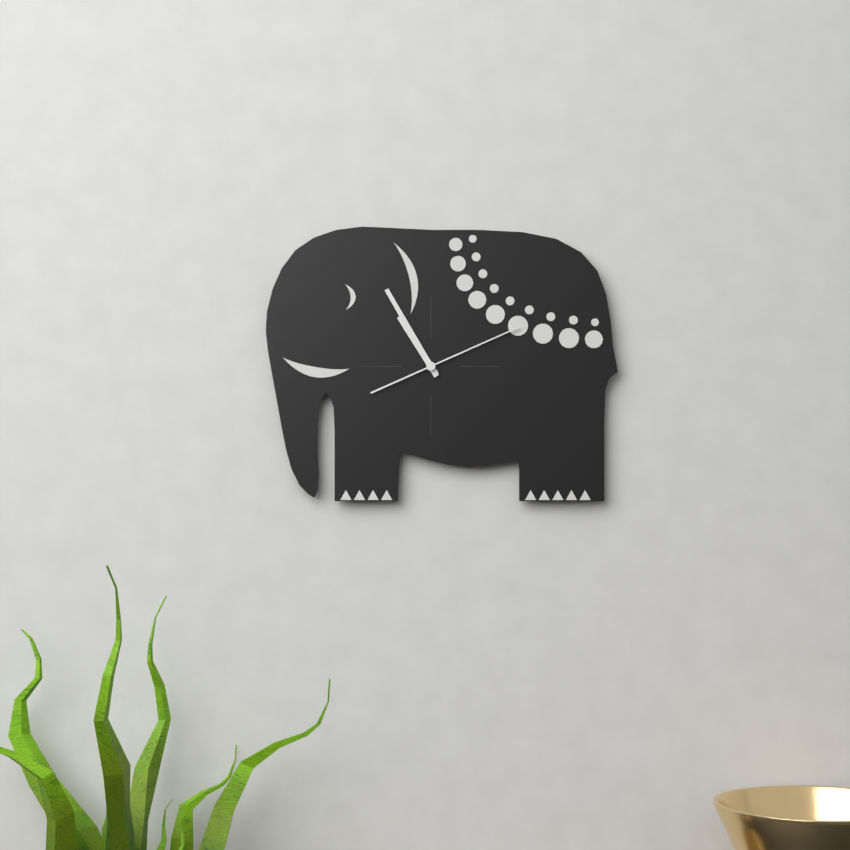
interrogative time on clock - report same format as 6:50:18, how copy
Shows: 10:55:11
